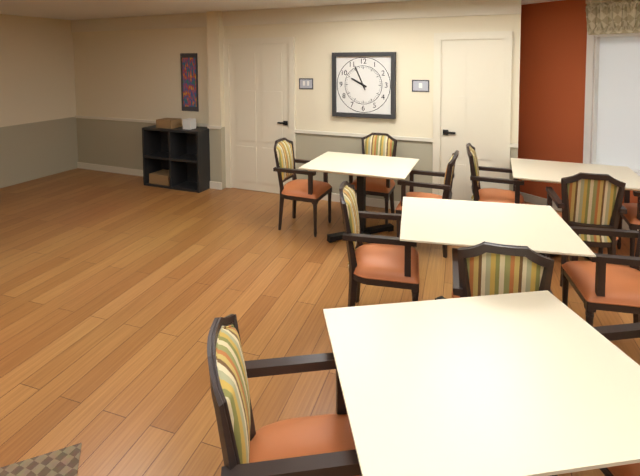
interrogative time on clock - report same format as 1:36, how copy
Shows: 9:56
